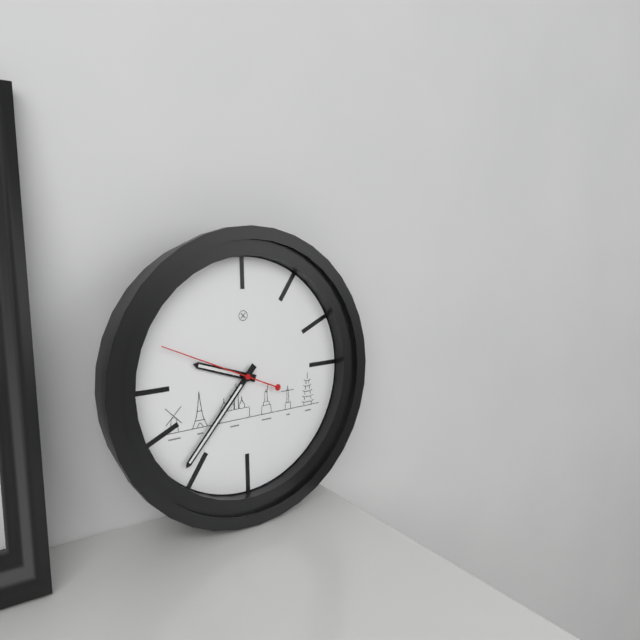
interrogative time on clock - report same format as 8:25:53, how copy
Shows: 9:37:49
